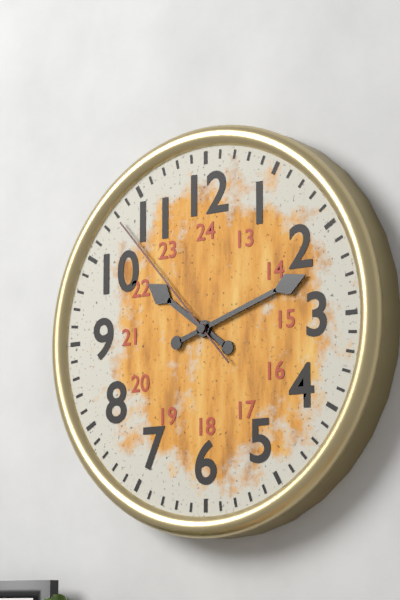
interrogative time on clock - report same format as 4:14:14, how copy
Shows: 10:12:53
